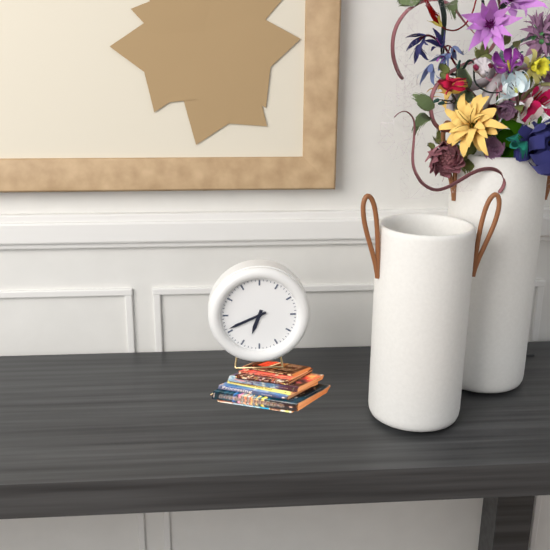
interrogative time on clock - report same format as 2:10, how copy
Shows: 6:41
